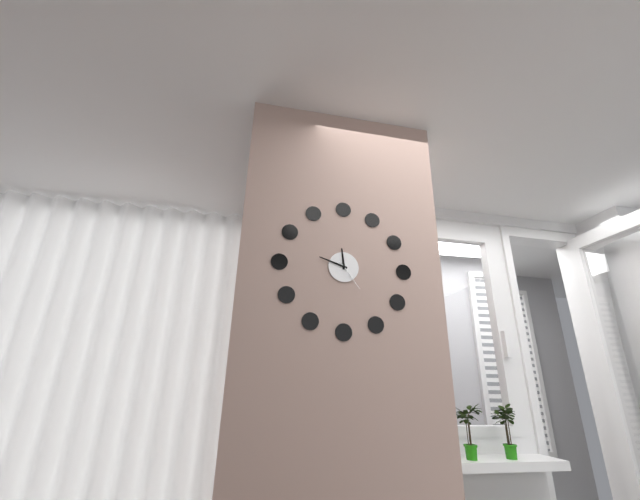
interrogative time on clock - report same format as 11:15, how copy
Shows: 11:48
